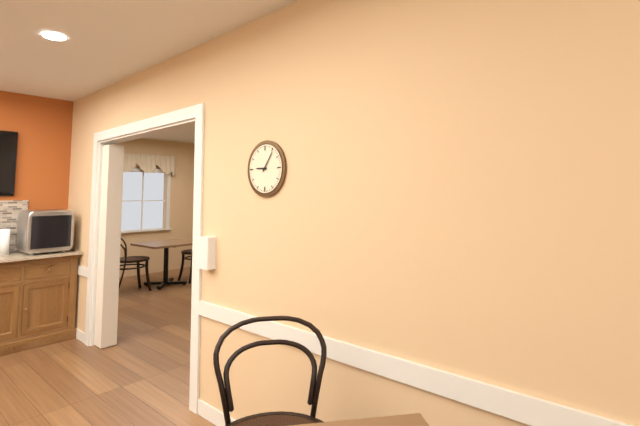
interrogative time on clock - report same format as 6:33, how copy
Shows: 9:06
